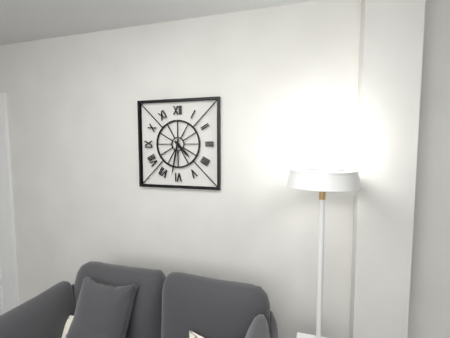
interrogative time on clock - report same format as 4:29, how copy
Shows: 4:32
